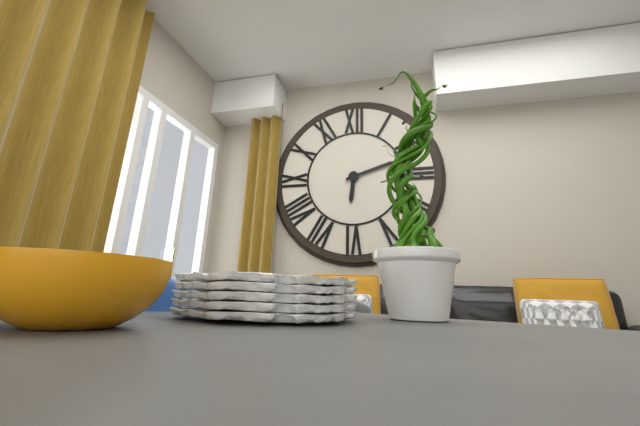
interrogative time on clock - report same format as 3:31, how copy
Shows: 6:12
